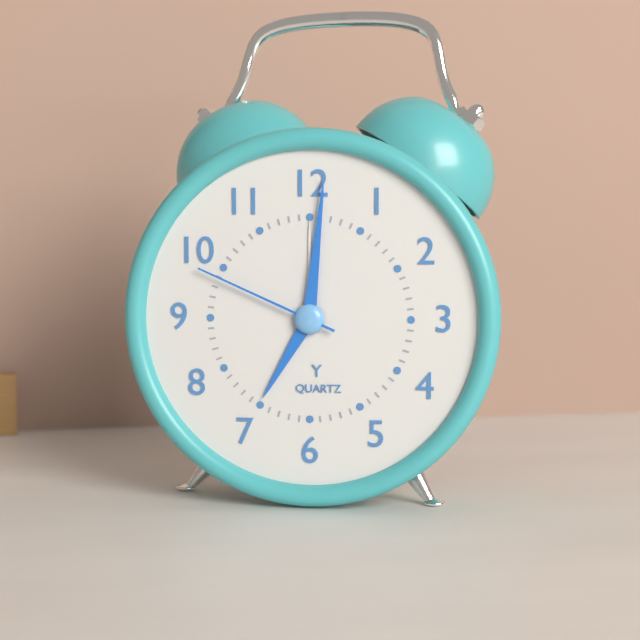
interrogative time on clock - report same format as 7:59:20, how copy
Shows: 7:01:49
